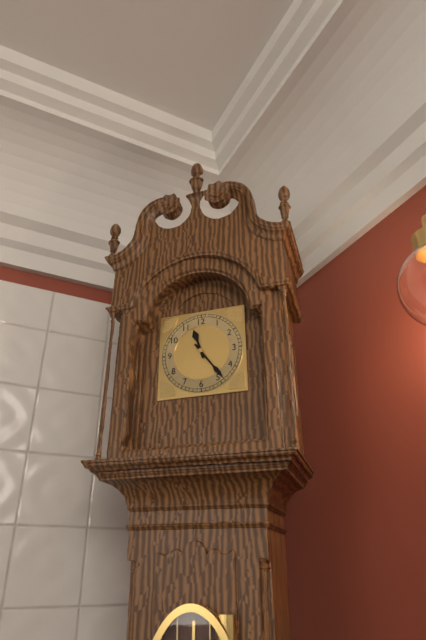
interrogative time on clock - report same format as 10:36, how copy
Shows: 11:24
